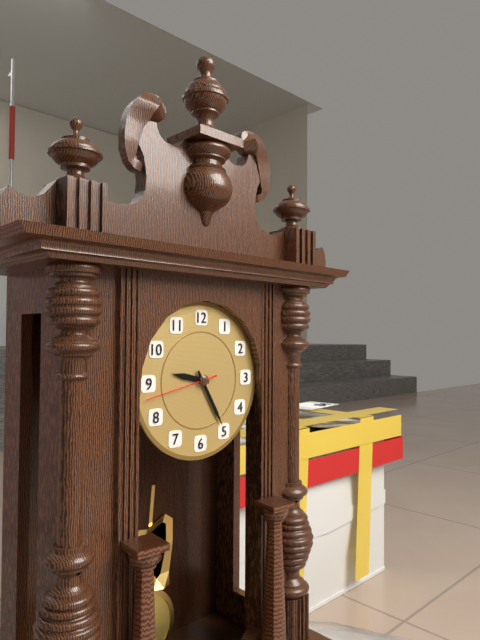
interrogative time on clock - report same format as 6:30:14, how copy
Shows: 9:25:43
